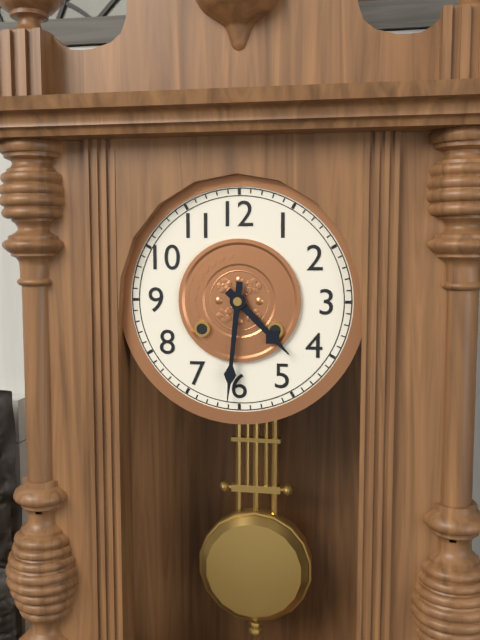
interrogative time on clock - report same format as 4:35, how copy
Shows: 4:31
